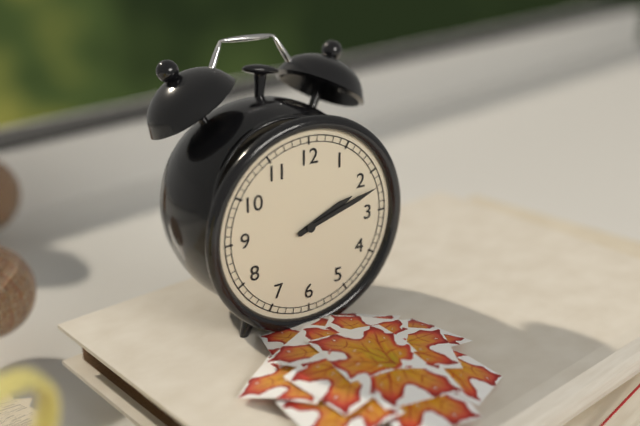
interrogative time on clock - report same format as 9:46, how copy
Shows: 2:12
